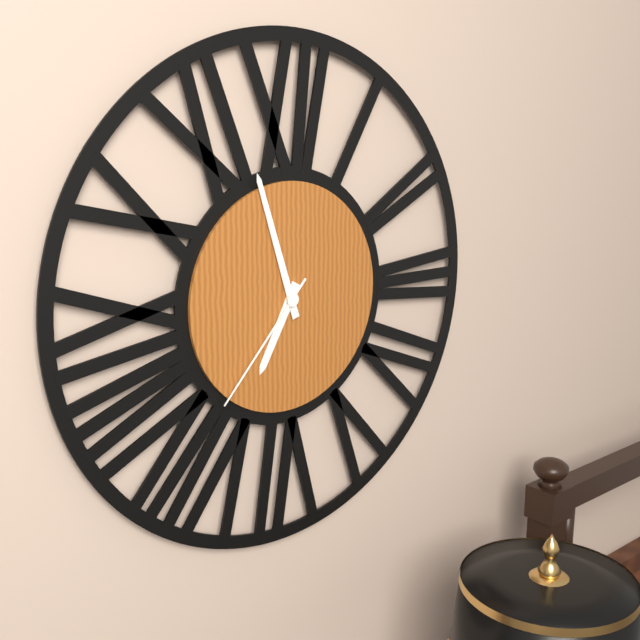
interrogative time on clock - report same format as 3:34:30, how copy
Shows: 6:57:37
